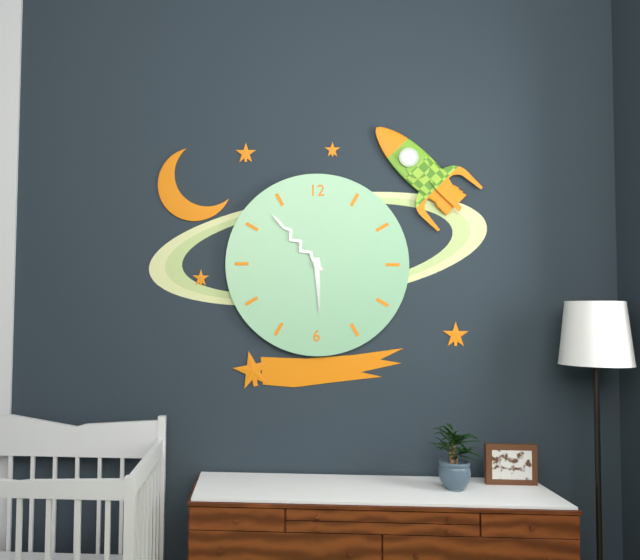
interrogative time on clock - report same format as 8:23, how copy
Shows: 5:53
